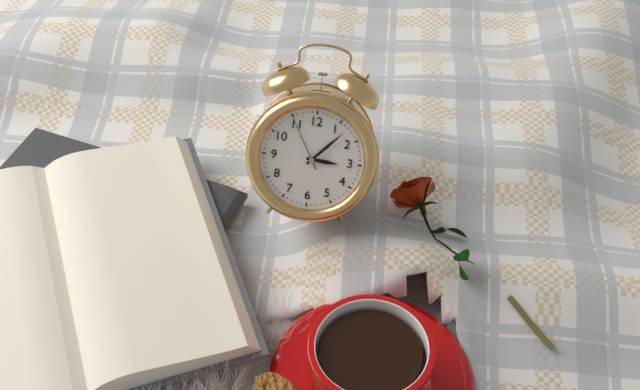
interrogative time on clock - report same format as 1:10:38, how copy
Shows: 3:07:55
